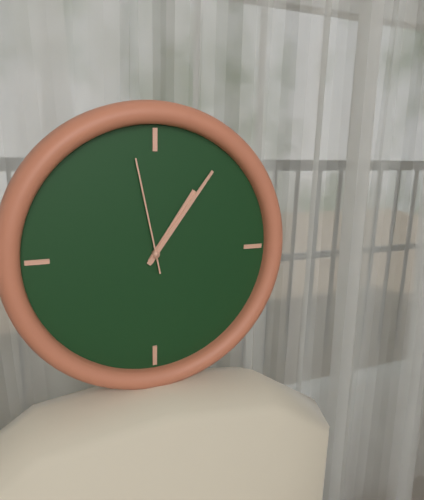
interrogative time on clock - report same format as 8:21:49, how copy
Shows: 1:06:58
